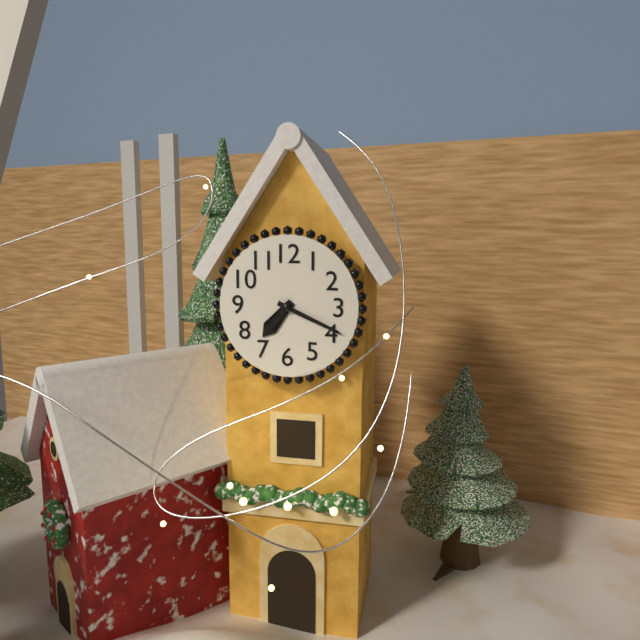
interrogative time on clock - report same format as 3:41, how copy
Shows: 7:19
